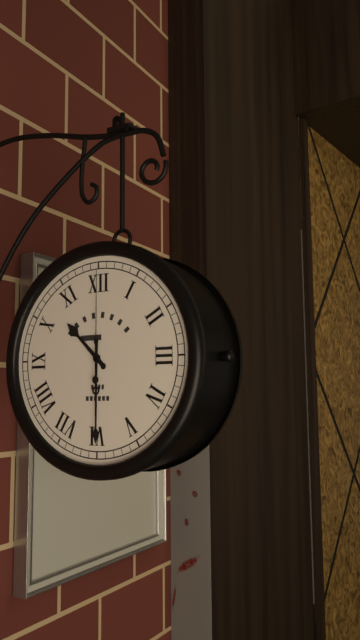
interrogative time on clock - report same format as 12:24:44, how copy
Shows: 10:30:00
